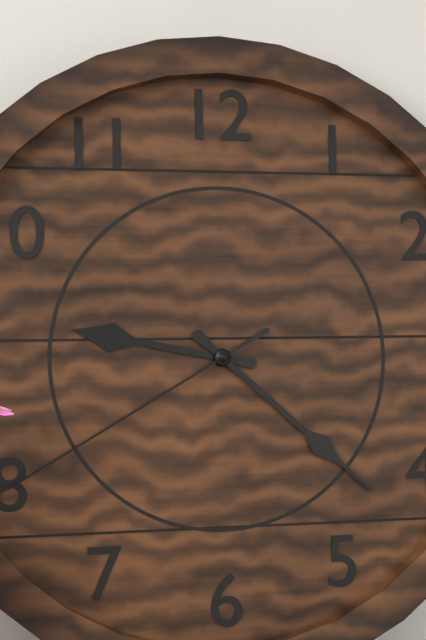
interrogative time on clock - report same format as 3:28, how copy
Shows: 9:22
